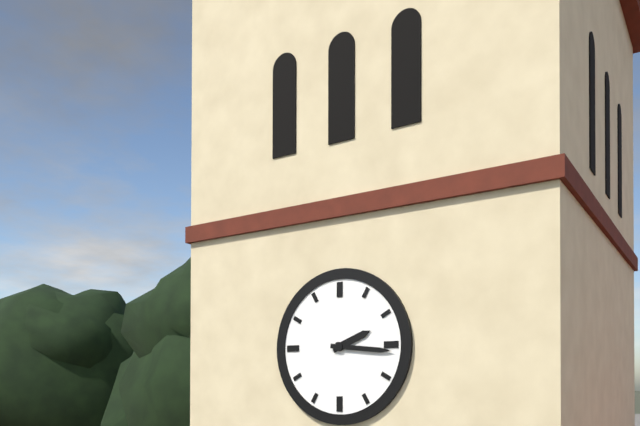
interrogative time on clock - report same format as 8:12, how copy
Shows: 2:16
